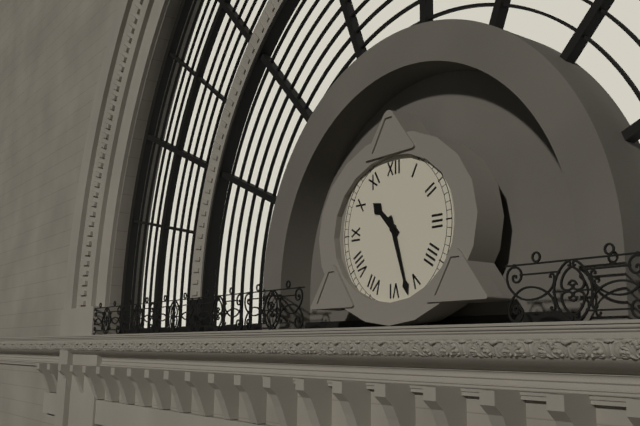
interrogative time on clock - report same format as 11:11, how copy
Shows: 10:27
